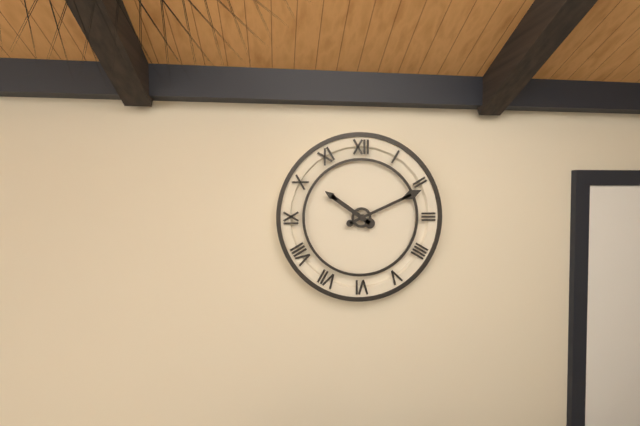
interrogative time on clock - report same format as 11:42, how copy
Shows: 10:11
